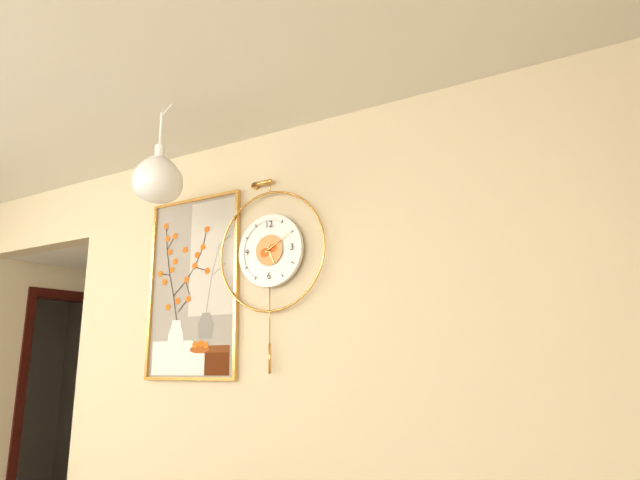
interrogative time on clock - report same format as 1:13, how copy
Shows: 5:10
